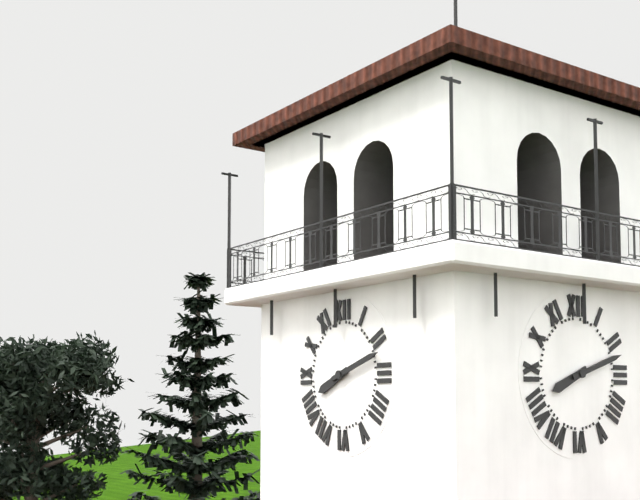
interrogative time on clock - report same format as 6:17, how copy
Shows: 8:12
